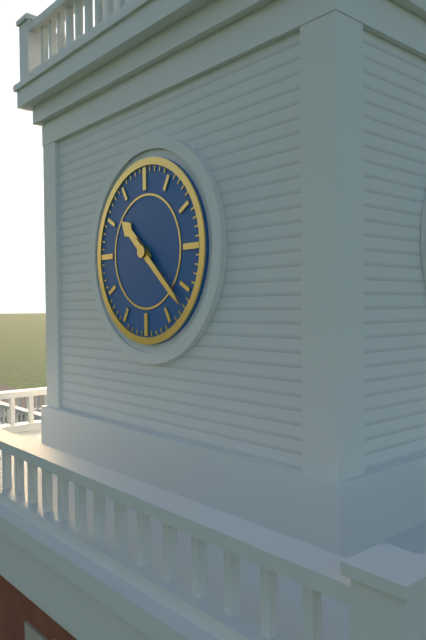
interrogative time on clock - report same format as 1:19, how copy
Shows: 10:22
